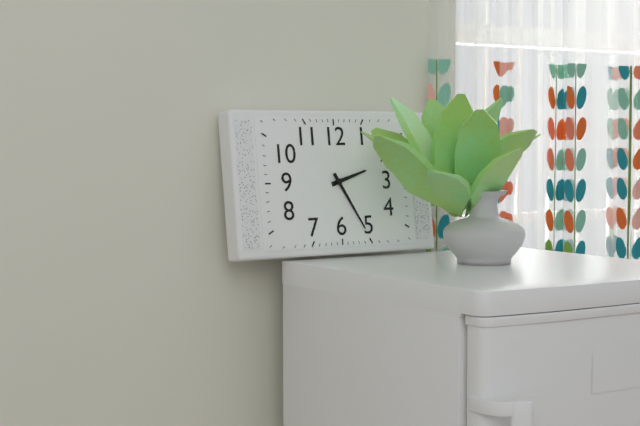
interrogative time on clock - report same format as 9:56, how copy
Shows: 2:25
